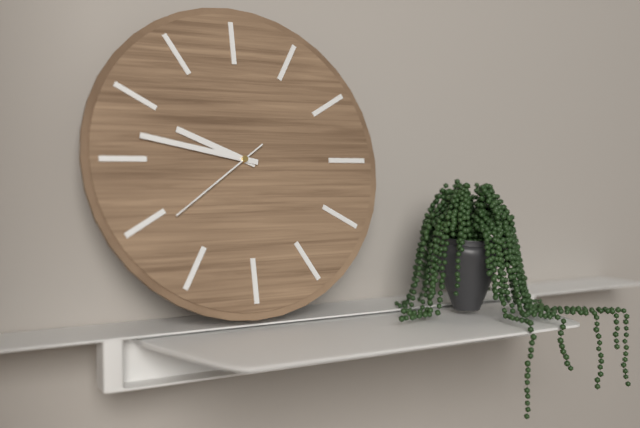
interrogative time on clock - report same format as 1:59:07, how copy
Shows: 9:47:39
